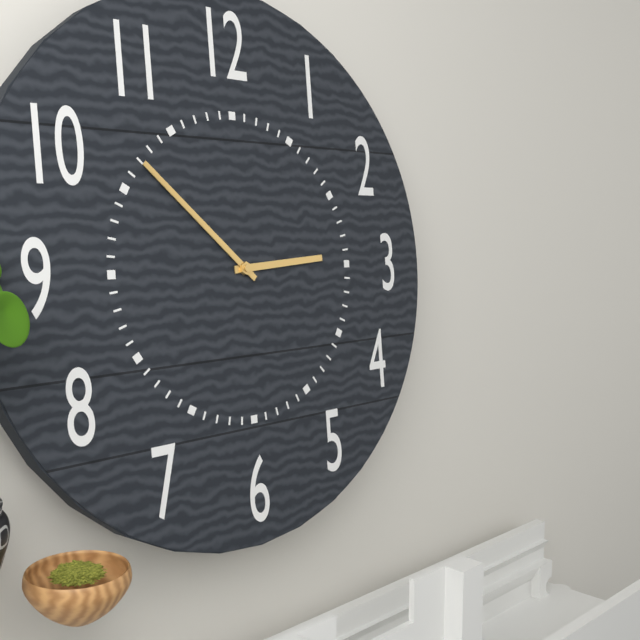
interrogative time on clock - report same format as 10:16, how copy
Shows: 2:52
